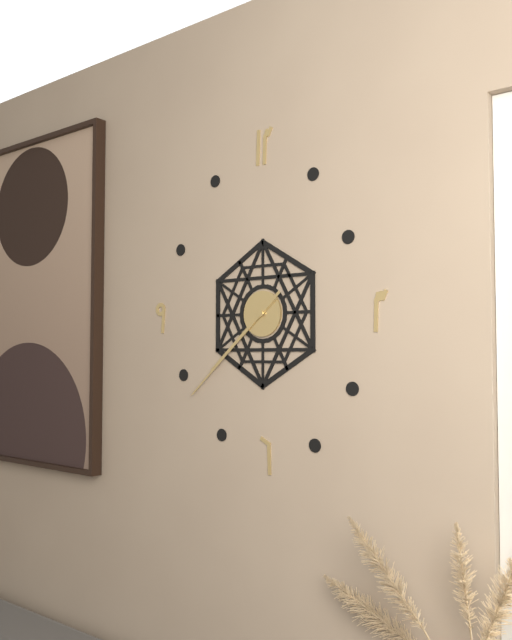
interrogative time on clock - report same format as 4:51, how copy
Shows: 7:38
